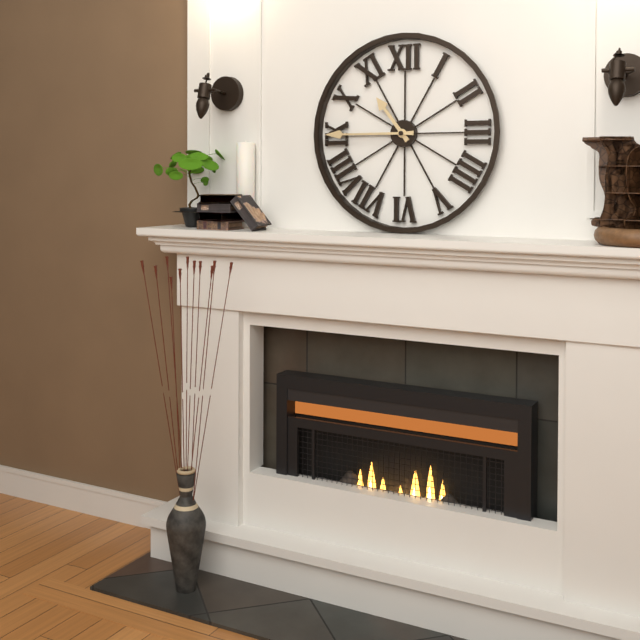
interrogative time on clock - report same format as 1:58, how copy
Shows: 10:45
